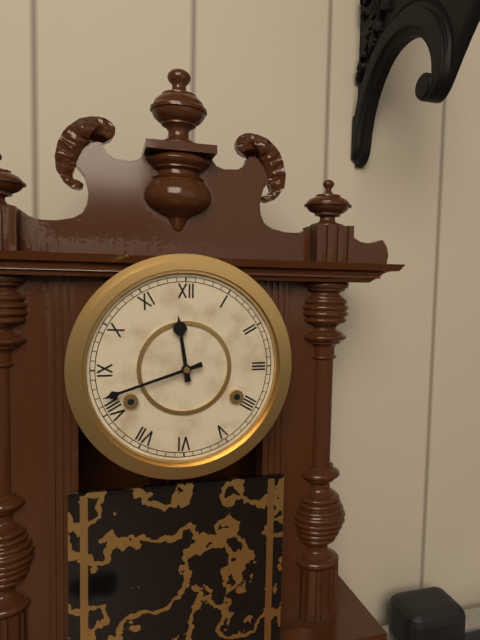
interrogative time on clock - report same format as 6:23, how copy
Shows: 11:42
